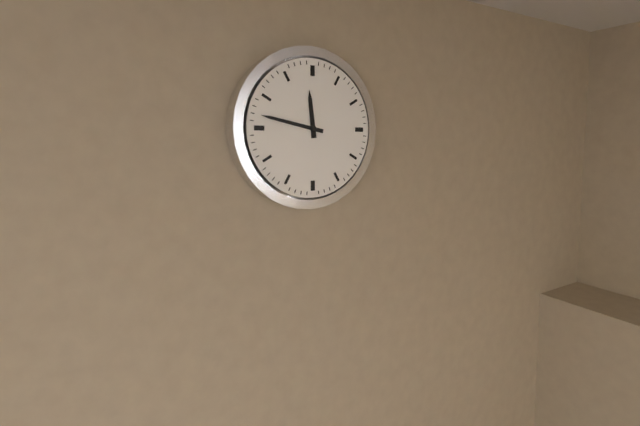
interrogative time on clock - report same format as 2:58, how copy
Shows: 11:47
